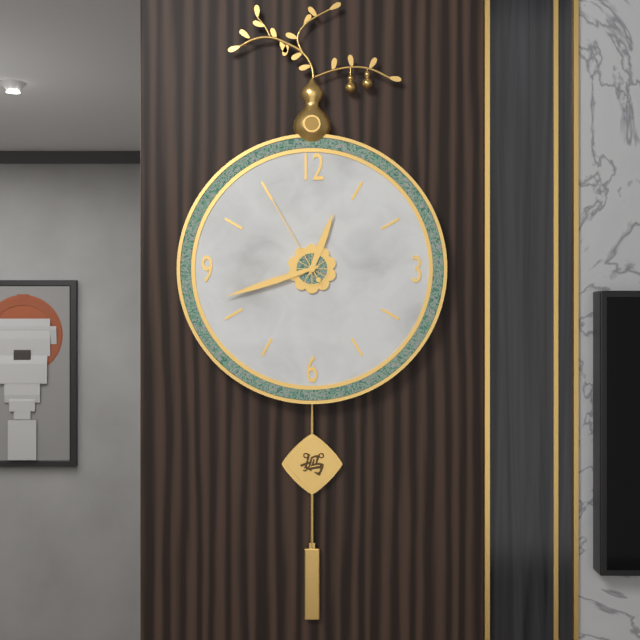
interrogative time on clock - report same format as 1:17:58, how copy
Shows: 12:42:55
